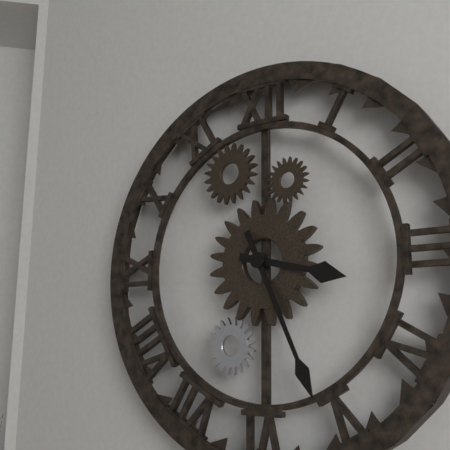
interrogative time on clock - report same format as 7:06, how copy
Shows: 3:26
